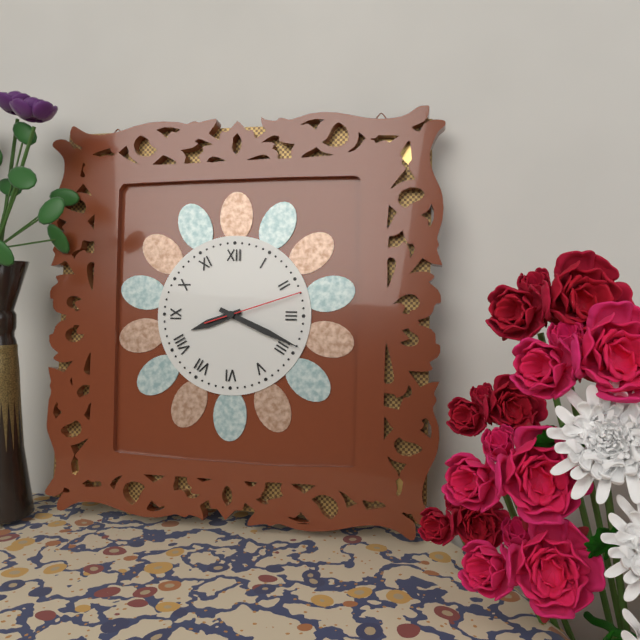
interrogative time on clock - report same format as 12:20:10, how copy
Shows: 8:19:12
